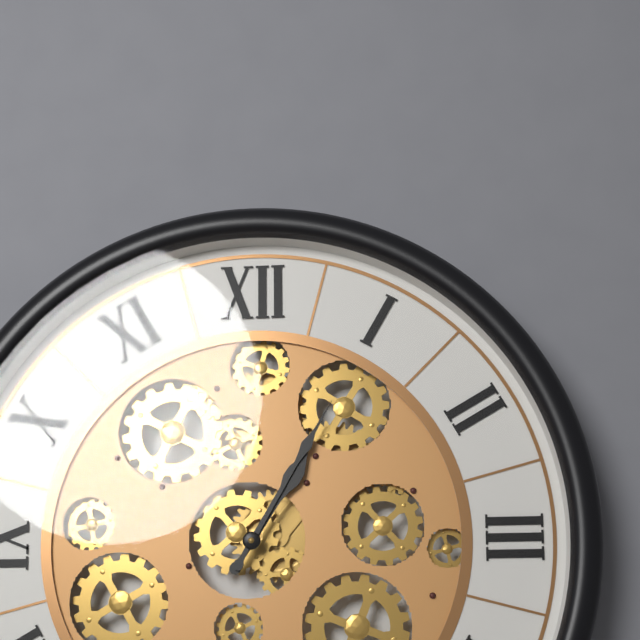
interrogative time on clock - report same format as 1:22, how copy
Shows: 1:05
